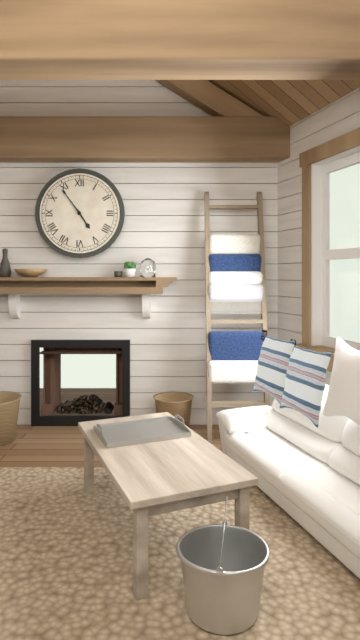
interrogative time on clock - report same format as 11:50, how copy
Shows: 4:54
